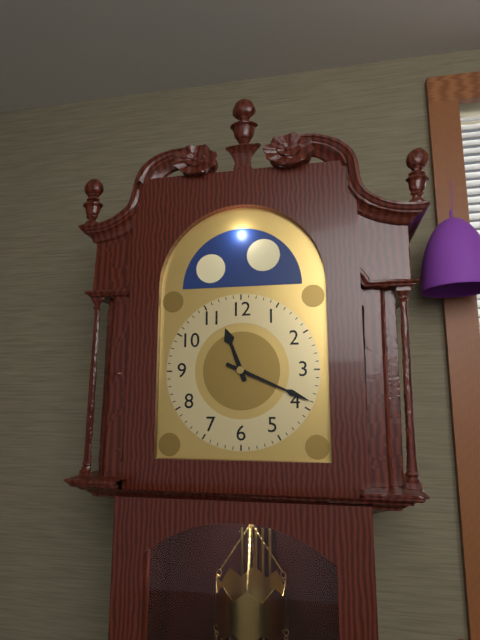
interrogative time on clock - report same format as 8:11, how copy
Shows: 11:19
